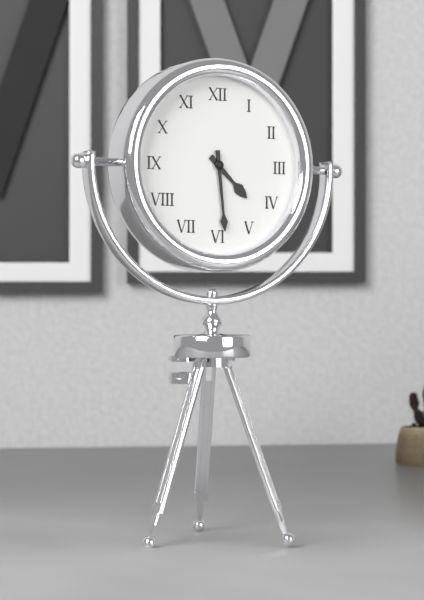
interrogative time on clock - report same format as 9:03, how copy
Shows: 4:29
